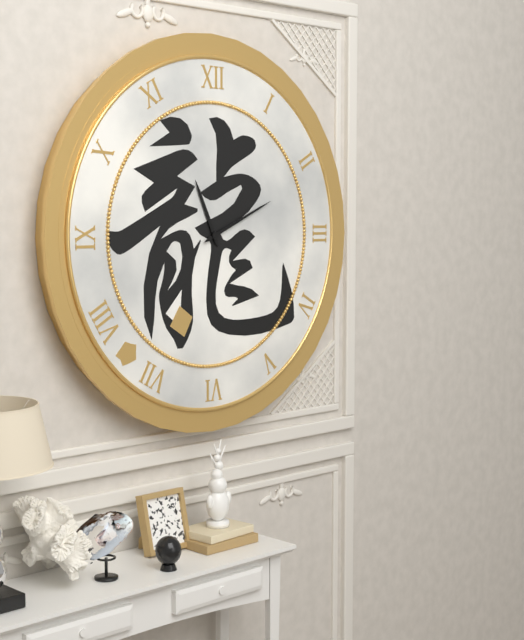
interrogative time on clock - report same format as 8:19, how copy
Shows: 11:11
